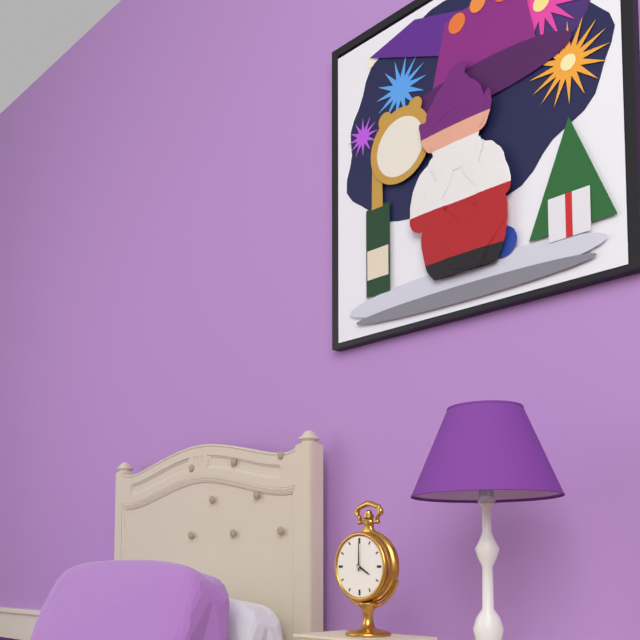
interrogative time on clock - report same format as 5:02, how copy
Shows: 4:00
